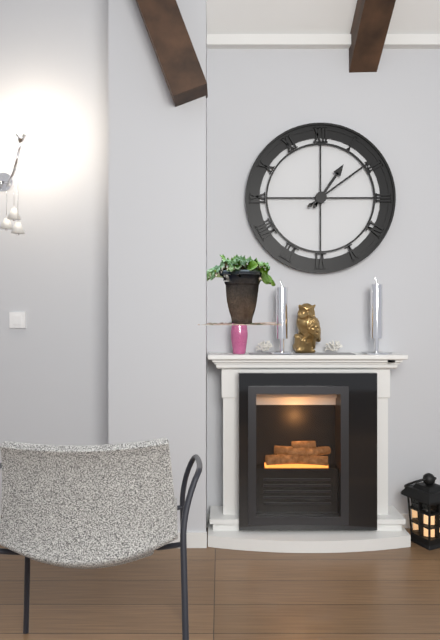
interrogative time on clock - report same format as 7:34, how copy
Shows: 1:09
